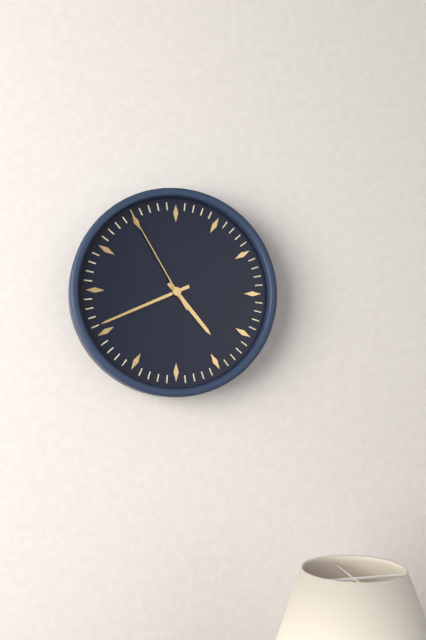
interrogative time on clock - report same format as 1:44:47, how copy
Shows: 4:41:55
